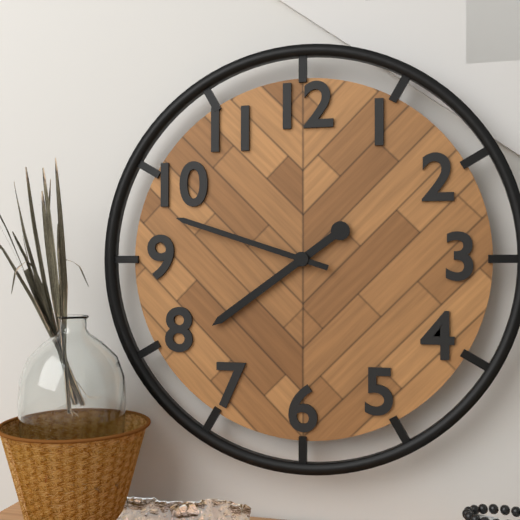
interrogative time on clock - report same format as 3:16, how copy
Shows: 7:48
